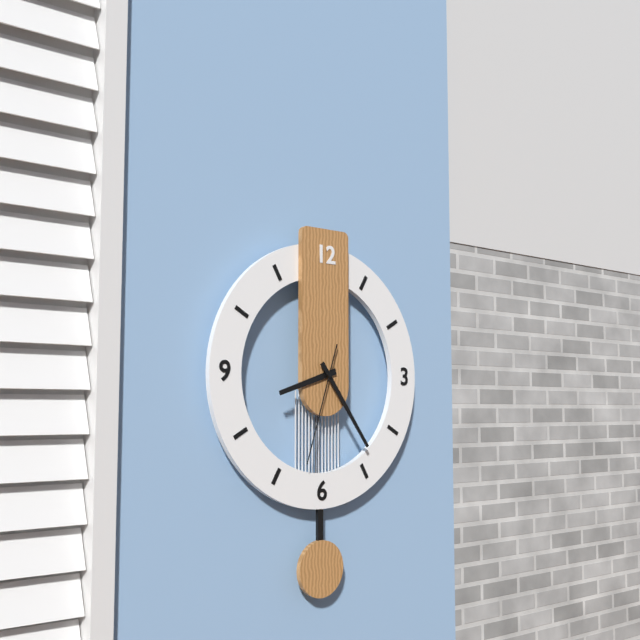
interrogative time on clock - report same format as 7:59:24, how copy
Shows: 8:24:33
